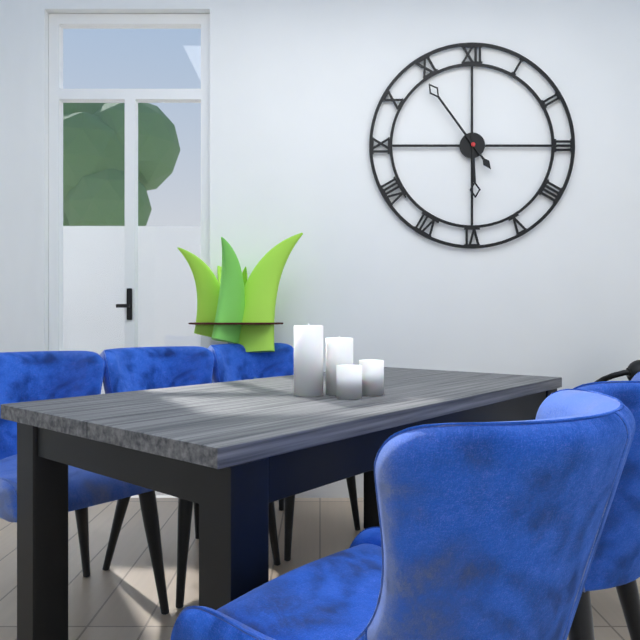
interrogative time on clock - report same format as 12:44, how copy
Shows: 5:54
